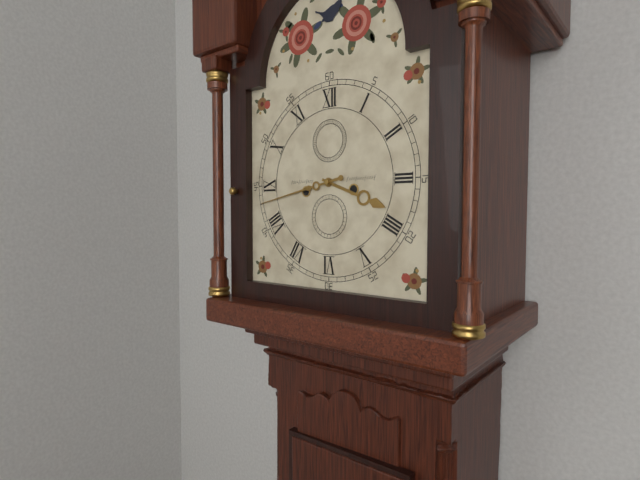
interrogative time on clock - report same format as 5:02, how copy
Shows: 3:43
